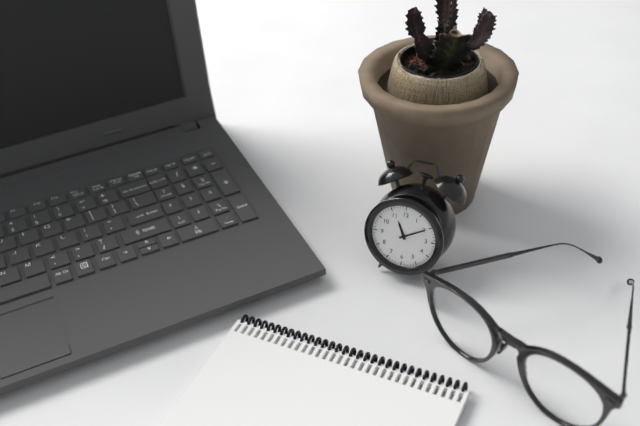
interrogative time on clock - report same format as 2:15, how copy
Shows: 11:10
